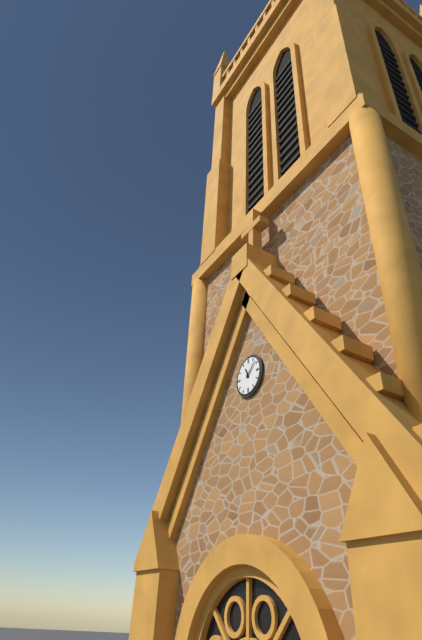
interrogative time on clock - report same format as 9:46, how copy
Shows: 11:08
